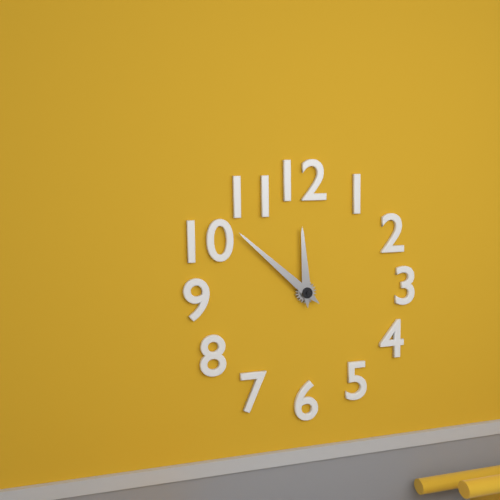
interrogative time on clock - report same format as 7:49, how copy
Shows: 11:52
